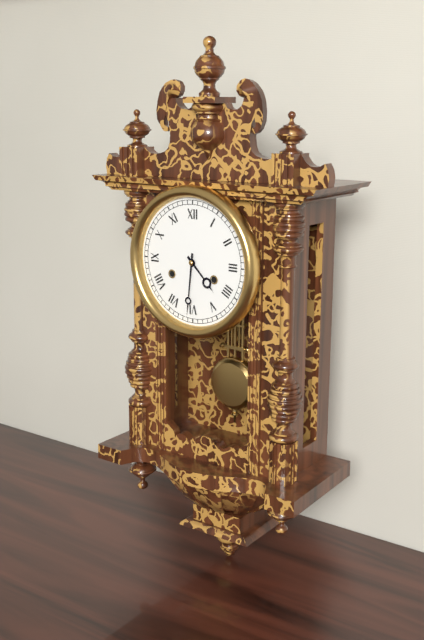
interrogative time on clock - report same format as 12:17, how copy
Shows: 4:31
